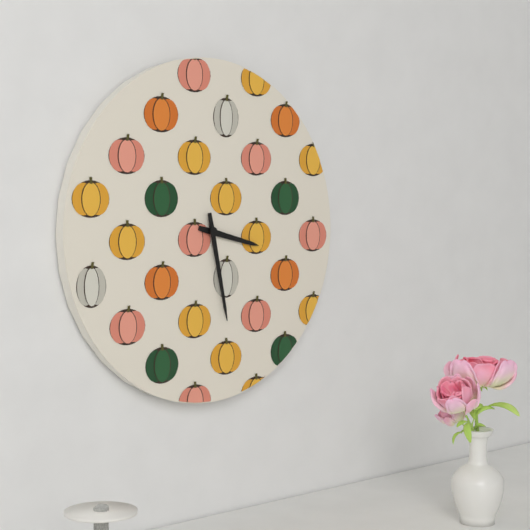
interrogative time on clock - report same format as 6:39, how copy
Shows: 3:28
